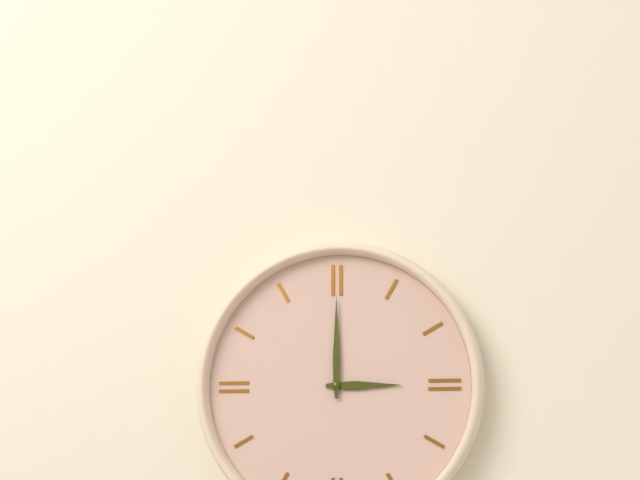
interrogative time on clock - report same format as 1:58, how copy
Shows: 3:00
